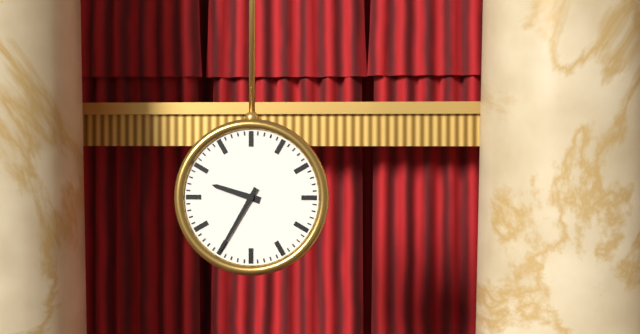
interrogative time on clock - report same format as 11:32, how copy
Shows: 9:35
